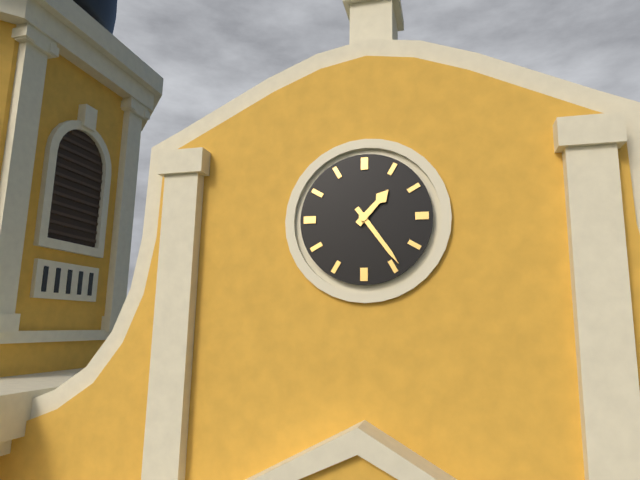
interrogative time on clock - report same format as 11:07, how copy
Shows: 1:24
